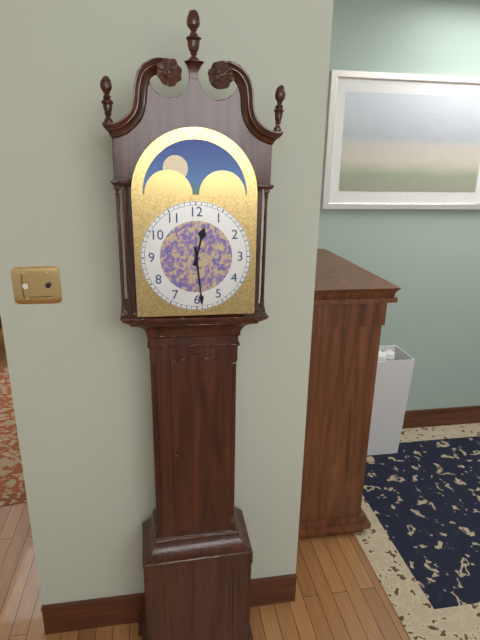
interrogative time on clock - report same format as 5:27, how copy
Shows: 12:29
